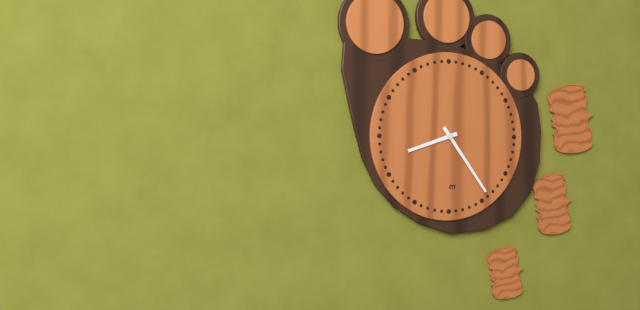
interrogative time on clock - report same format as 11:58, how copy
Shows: 8:24
